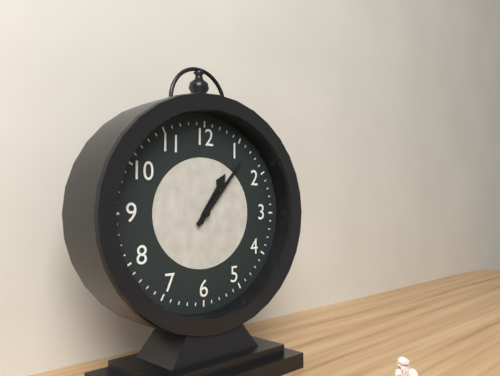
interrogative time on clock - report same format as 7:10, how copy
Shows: 1:07
